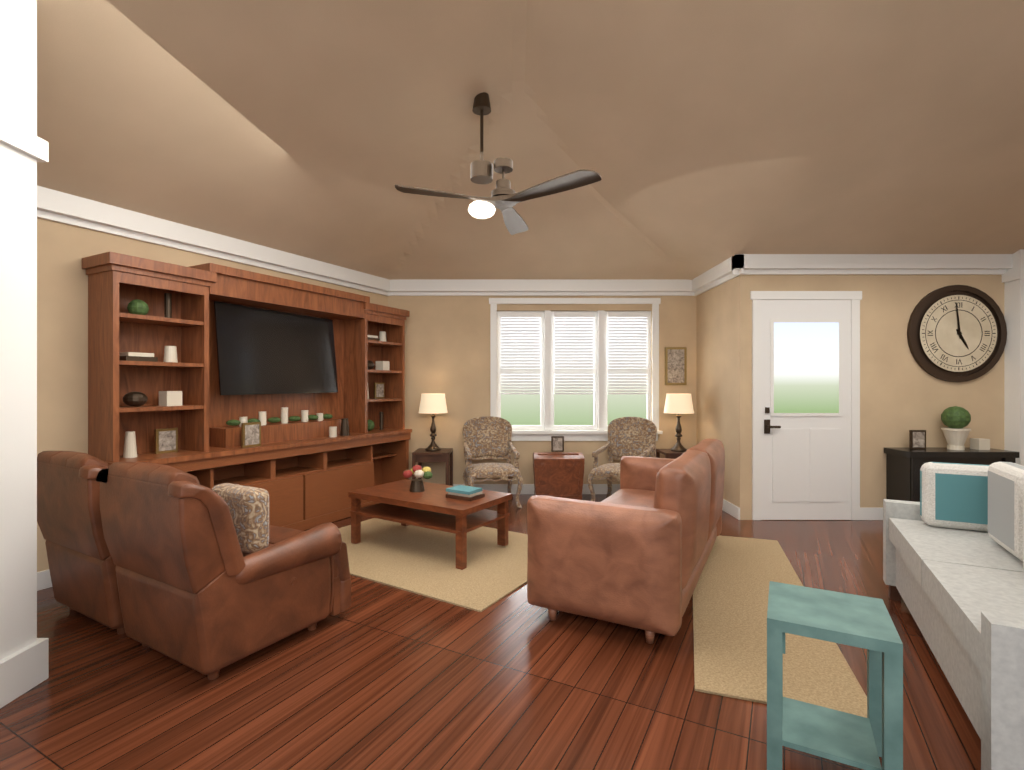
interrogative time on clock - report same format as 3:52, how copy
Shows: 4:59
